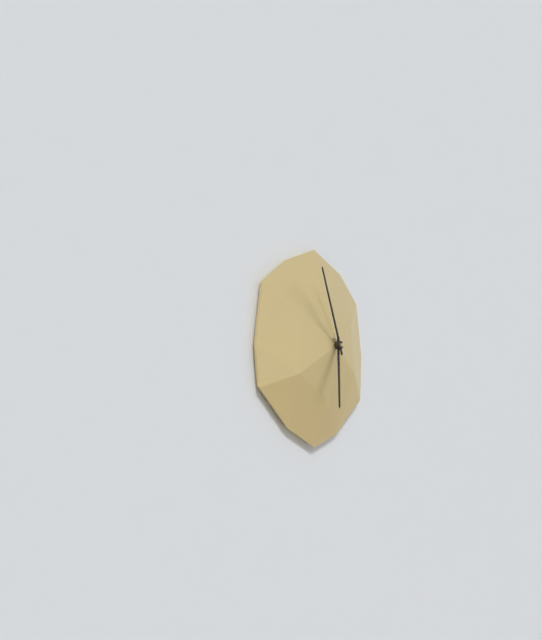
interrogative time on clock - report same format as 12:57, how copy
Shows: 5:56
